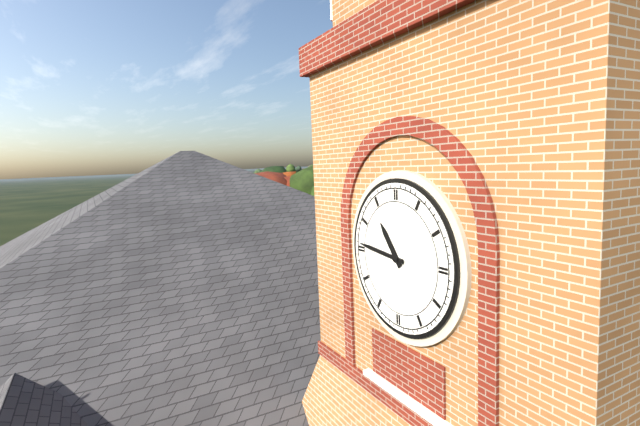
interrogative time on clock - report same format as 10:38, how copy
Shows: 10:46
